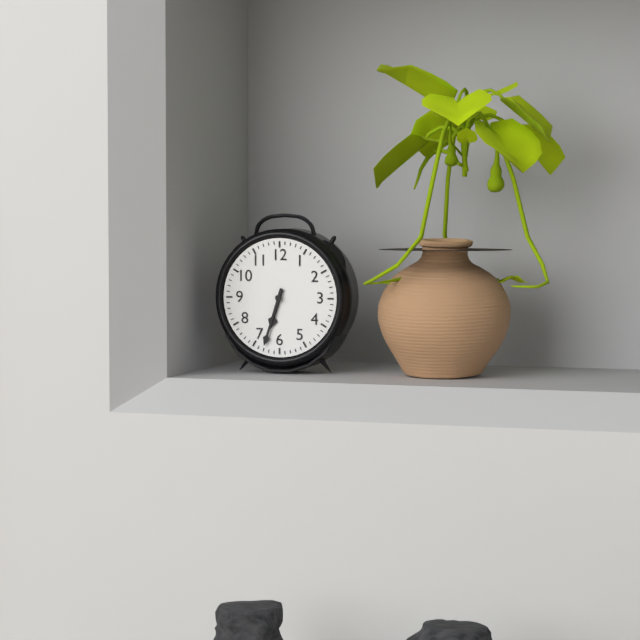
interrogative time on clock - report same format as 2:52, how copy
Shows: 6:33
